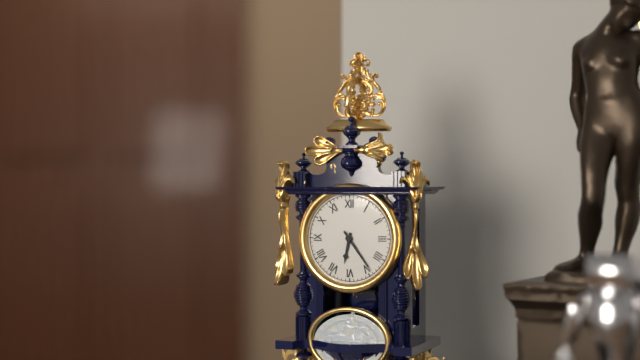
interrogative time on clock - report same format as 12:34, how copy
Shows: 6:24
